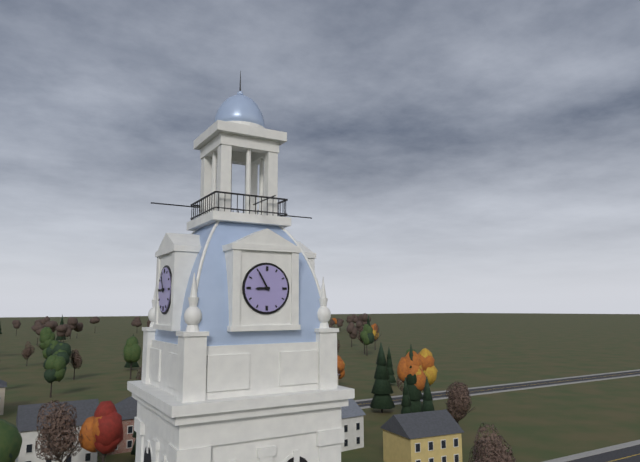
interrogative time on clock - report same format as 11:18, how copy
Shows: 8:55
